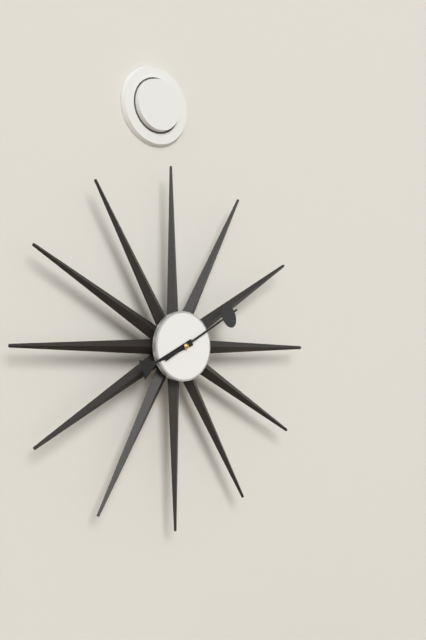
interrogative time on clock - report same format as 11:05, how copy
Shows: 8:10
